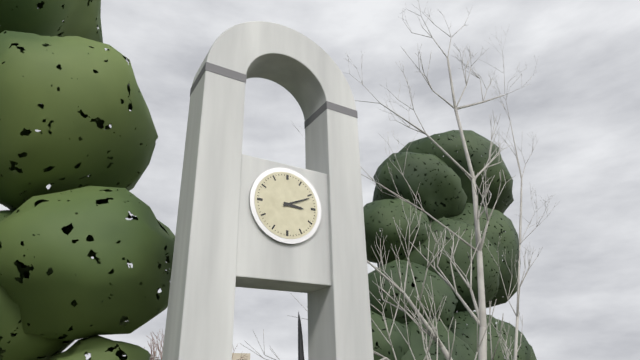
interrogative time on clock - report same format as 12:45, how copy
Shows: 3:11
